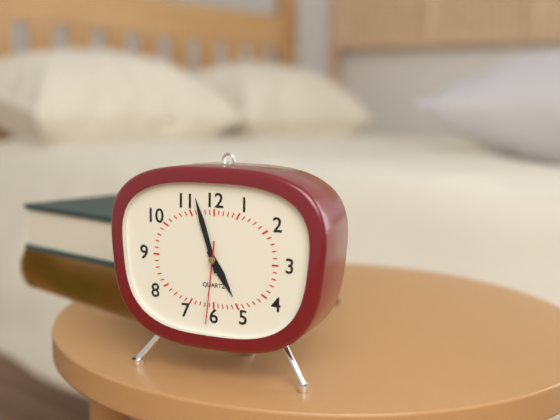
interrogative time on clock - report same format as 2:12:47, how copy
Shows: 4:57:31
